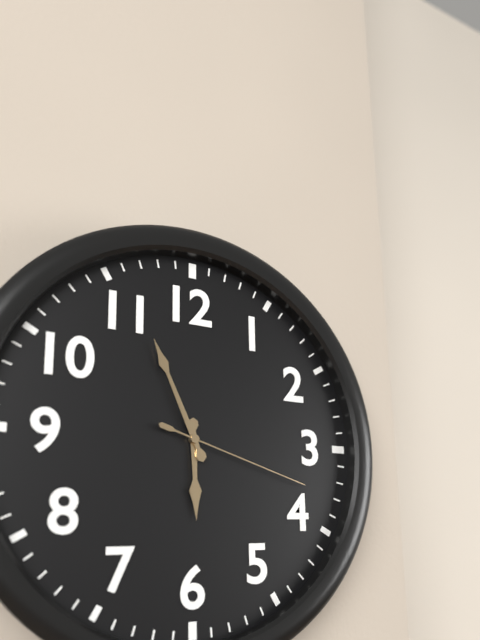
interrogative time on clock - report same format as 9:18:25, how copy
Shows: 5:56:18
